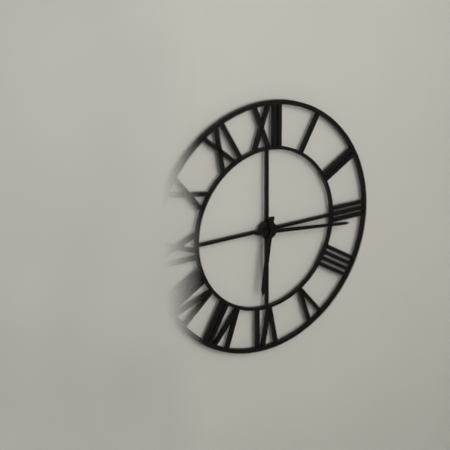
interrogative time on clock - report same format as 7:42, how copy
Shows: 6:16
